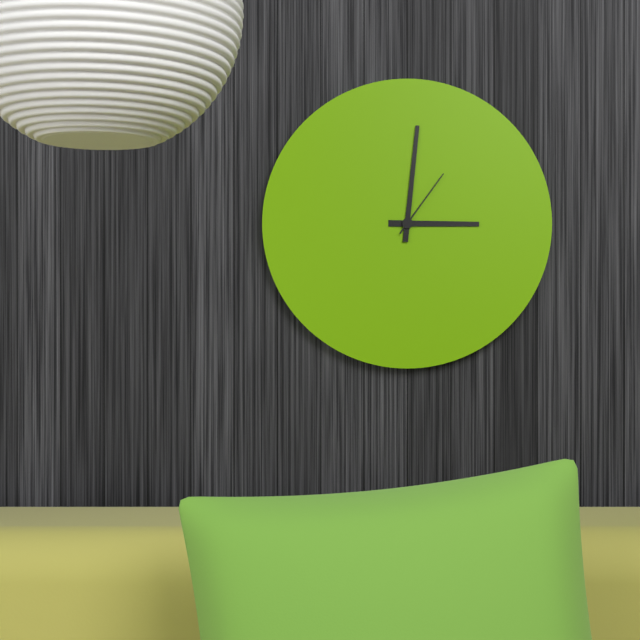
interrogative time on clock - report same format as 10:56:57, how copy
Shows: 3:01:06
